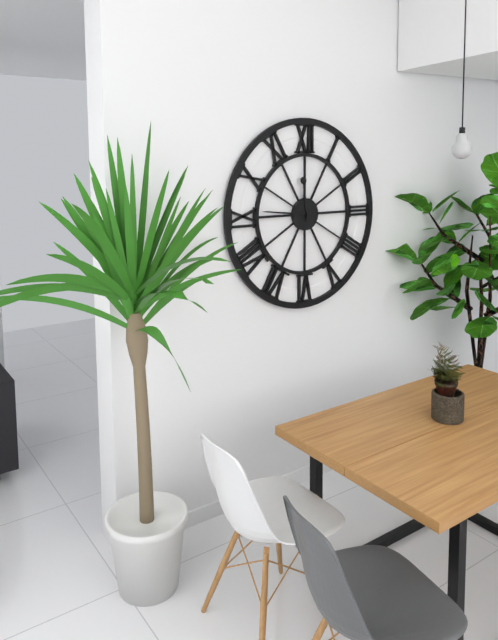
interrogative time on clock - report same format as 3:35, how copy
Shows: 11:46
